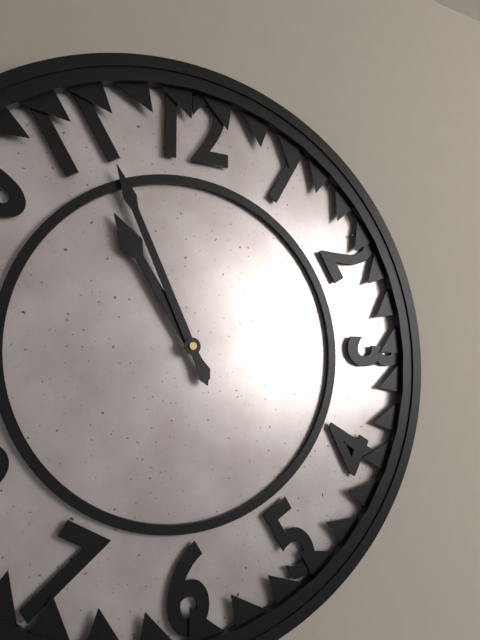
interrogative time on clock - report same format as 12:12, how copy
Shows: 10:56
